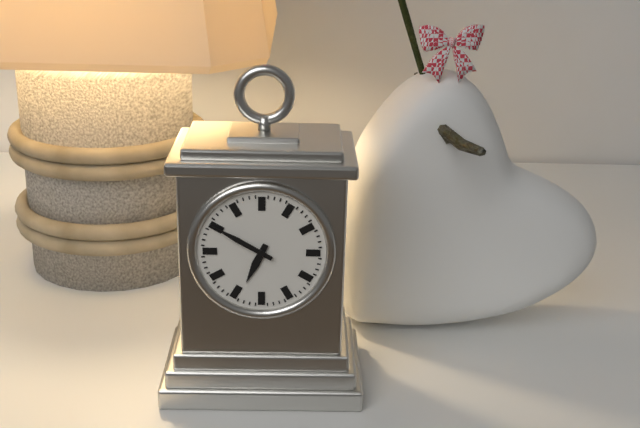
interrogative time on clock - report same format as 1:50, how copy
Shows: 6:50
